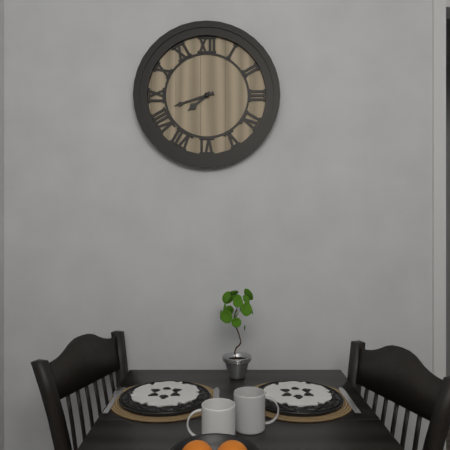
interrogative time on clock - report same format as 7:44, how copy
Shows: 7:42
